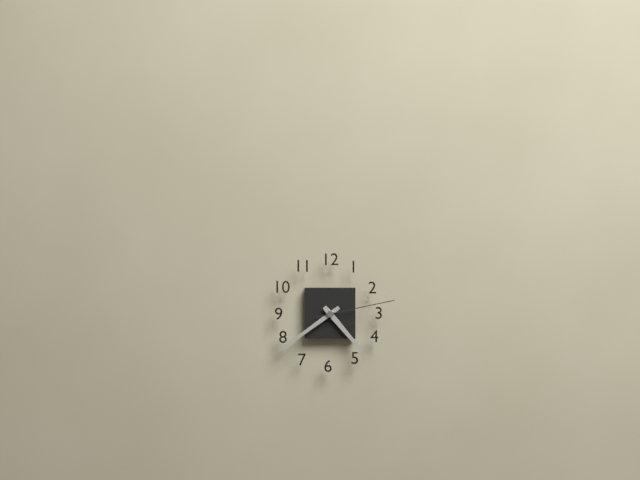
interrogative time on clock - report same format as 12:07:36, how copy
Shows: 4:39:13
